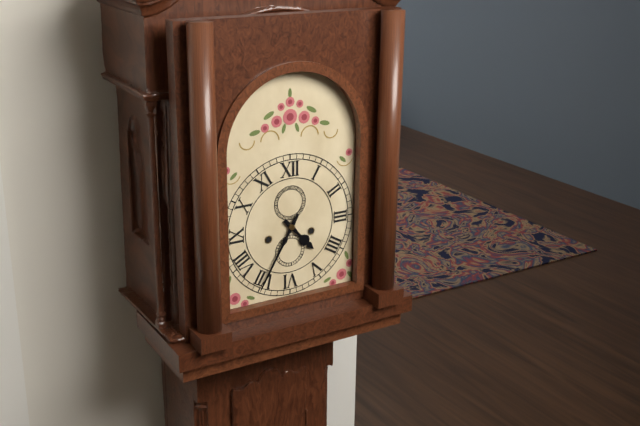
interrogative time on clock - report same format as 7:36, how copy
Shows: 4:35
